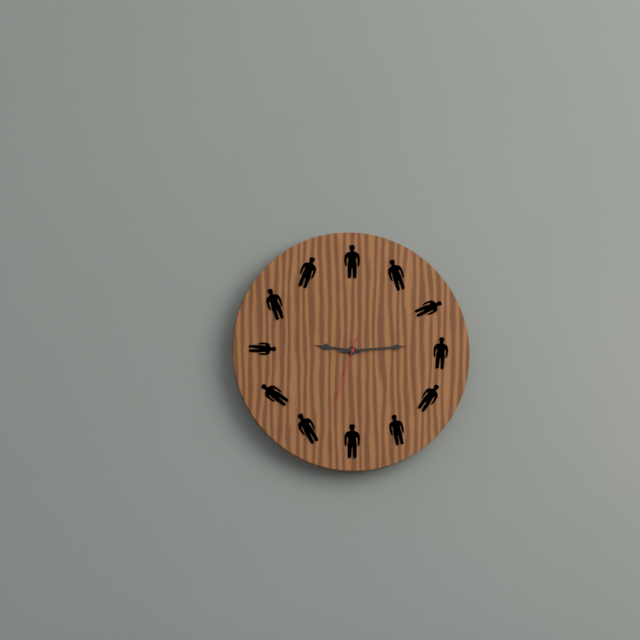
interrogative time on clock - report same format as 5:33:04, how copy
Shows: 9:14:33
